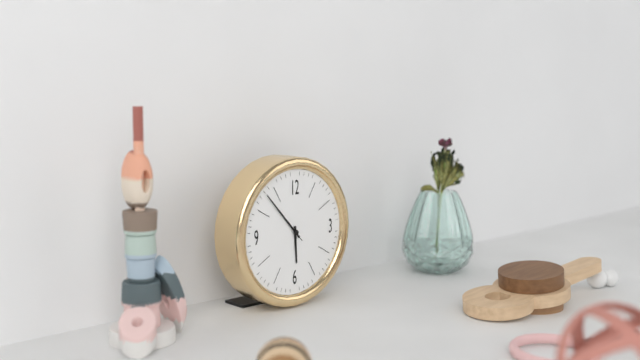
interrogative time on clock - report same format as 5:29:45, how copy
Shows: 5:53:53
